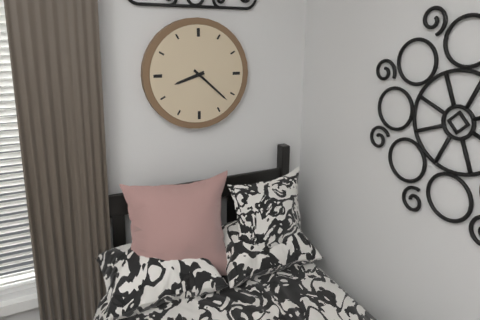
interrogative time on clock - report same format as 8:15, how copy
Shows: 8:22
